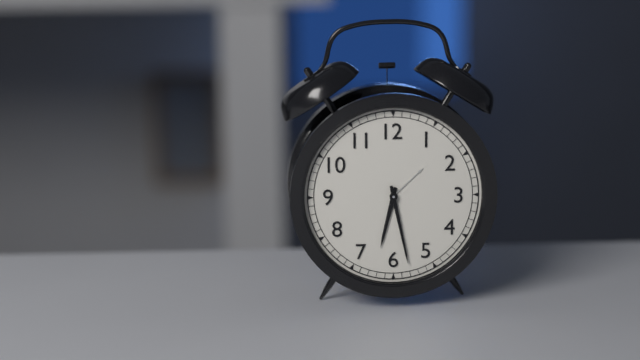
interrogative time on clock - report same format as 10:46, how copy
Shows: 6:28
